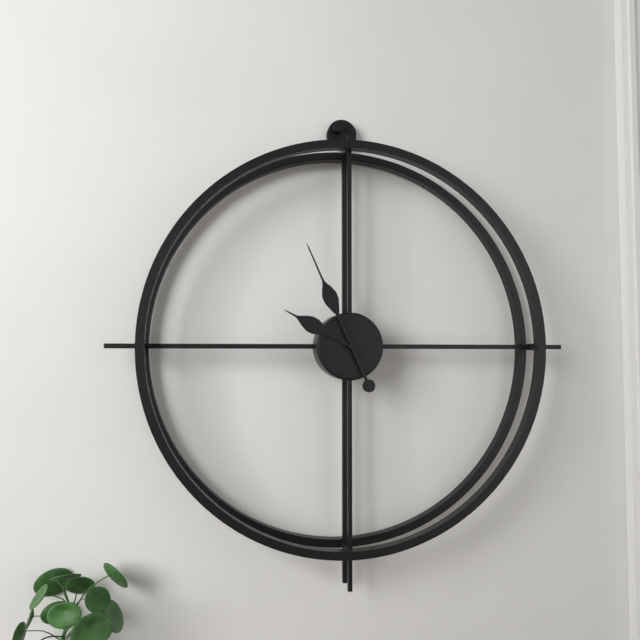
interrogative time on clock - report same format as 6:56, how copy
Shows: 9:56
